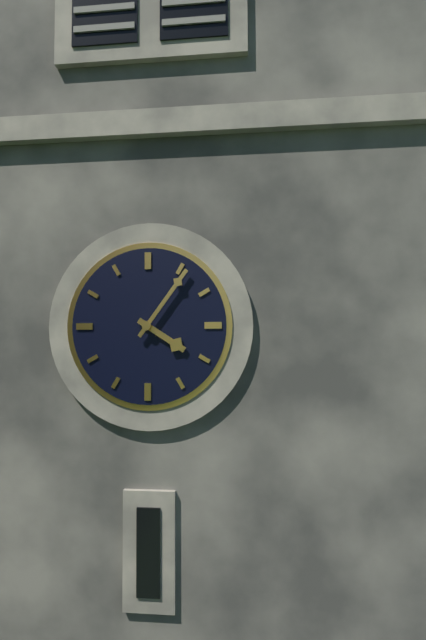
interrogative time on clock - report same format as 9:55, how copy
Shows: 4:06
